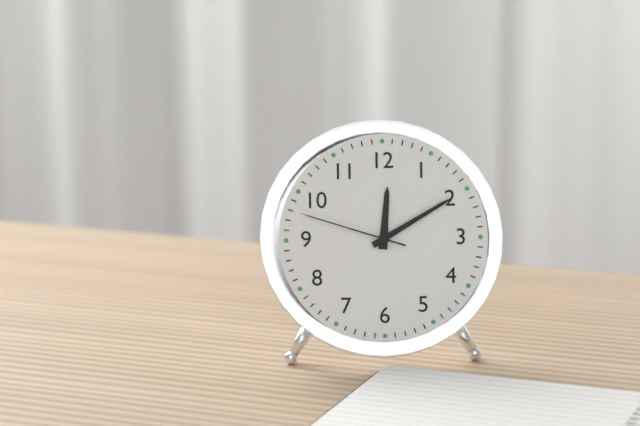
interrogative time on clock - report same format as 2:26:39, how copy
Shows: 12:10:48
